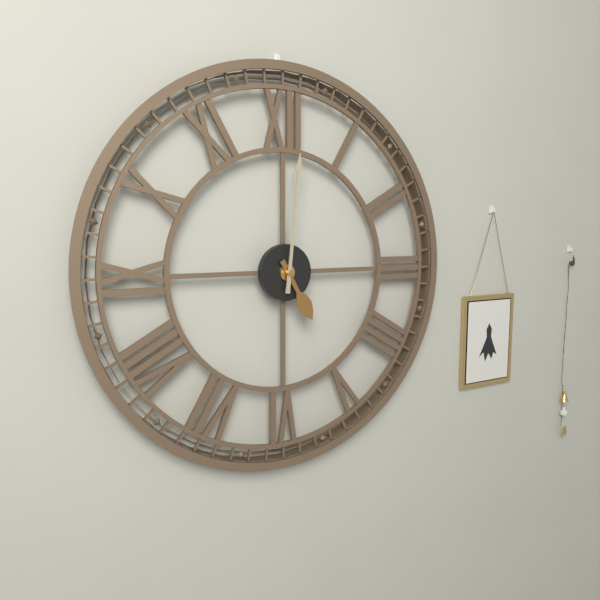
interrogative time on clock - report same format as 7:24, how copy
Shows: 5:01
